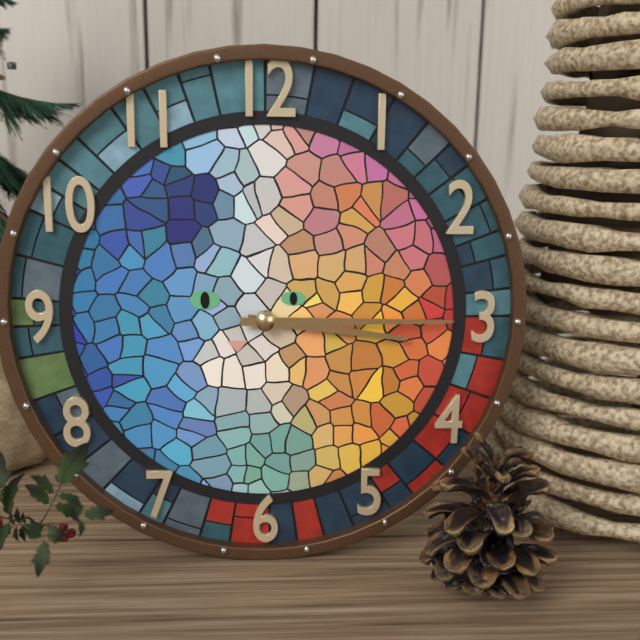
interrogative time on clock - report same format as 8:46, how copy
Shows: 3:15
